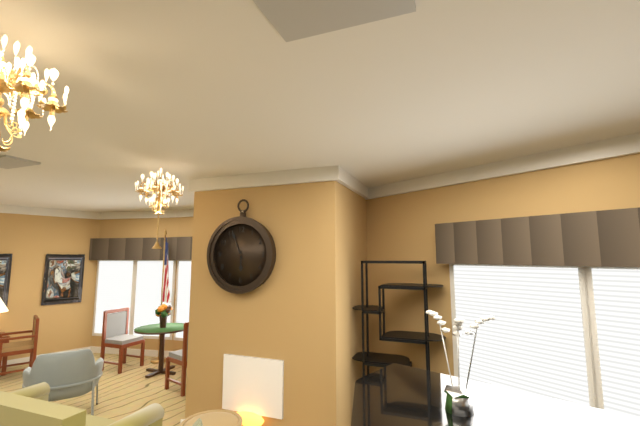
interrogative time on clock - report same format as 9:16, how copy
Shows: 5:56
